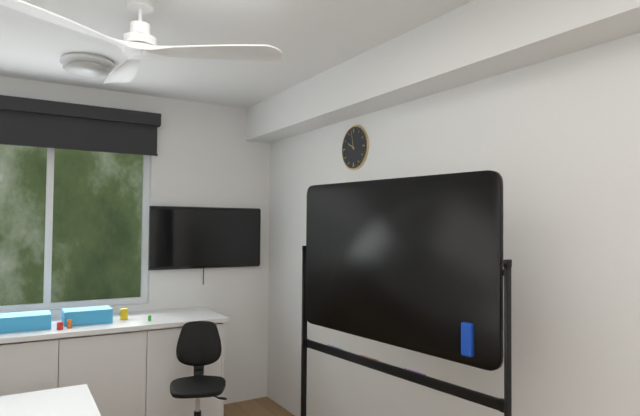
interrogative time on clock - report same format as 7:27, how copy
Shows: 9:58
